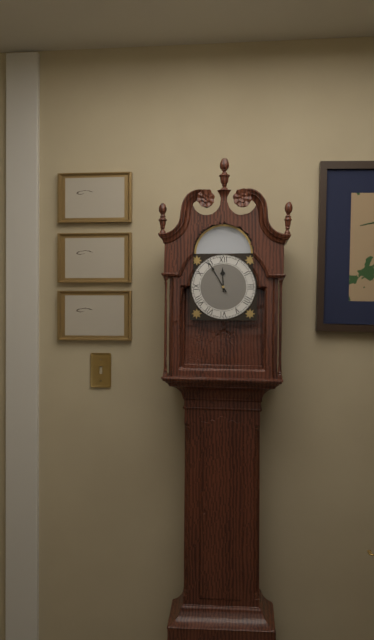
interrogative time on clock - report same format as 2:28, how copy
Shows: 11:55
